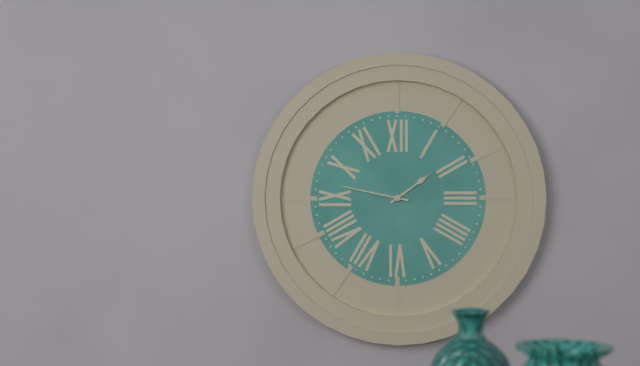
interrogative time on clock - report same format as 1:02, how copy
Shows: 1:47
